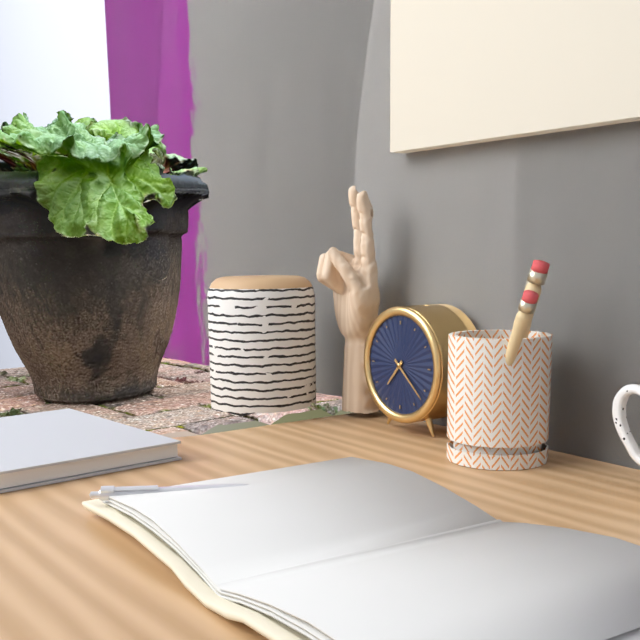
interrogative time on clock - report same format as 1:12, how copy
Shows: 7:22
